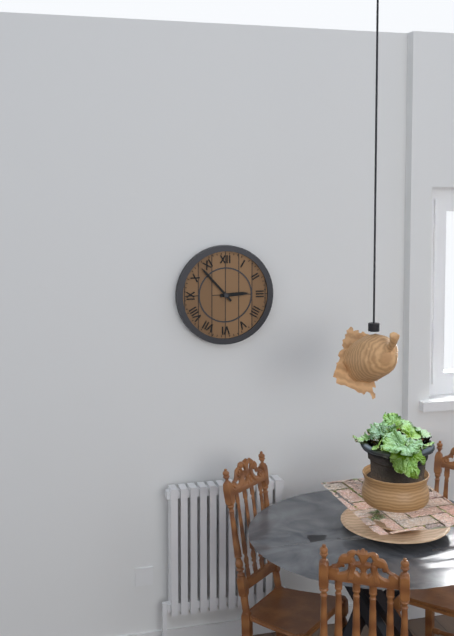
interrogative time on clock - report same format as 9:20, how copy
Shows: 2:53
